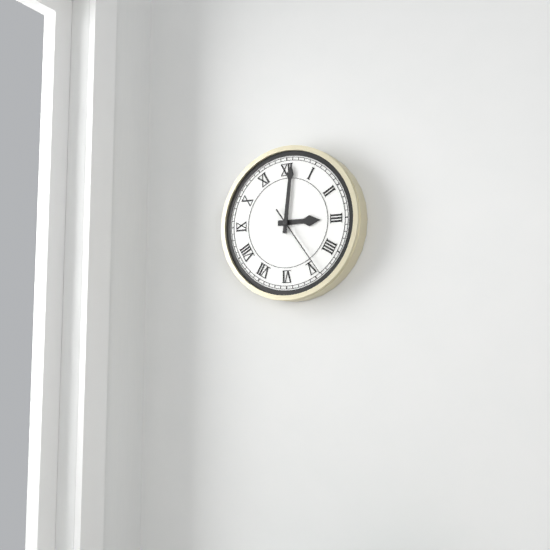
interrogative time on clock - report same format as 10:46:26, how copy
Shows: 3:01:24
